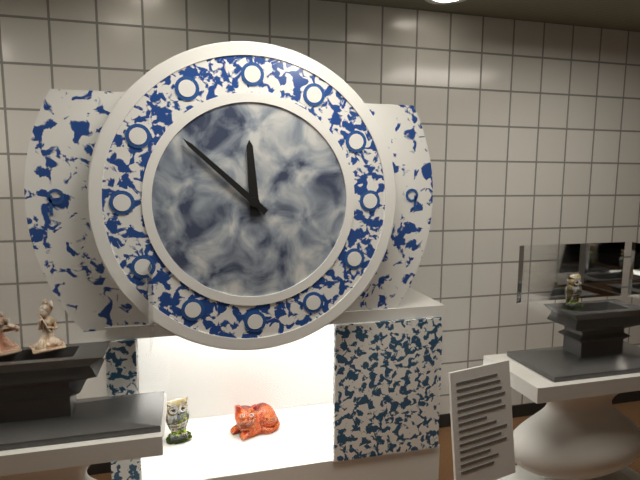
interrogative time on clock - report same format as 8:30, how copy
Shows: 11:52
